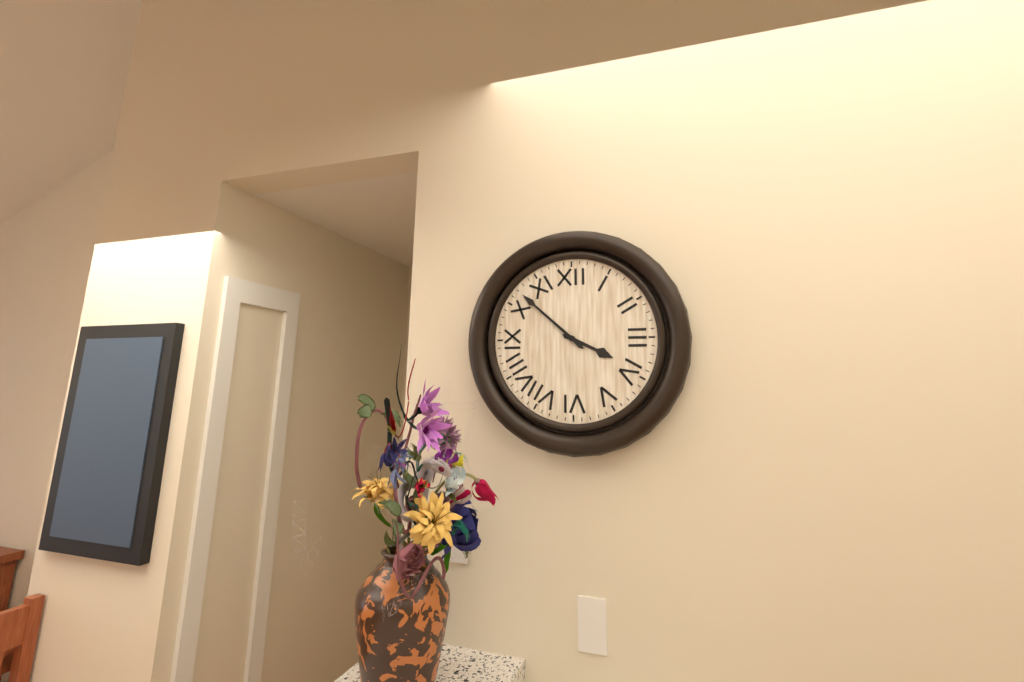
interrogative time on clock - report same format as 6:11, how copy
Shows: 3:52
